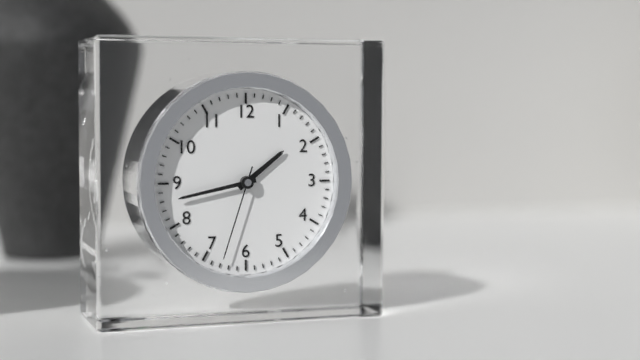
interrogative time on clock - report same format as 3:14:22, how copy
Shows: 1:43:33
